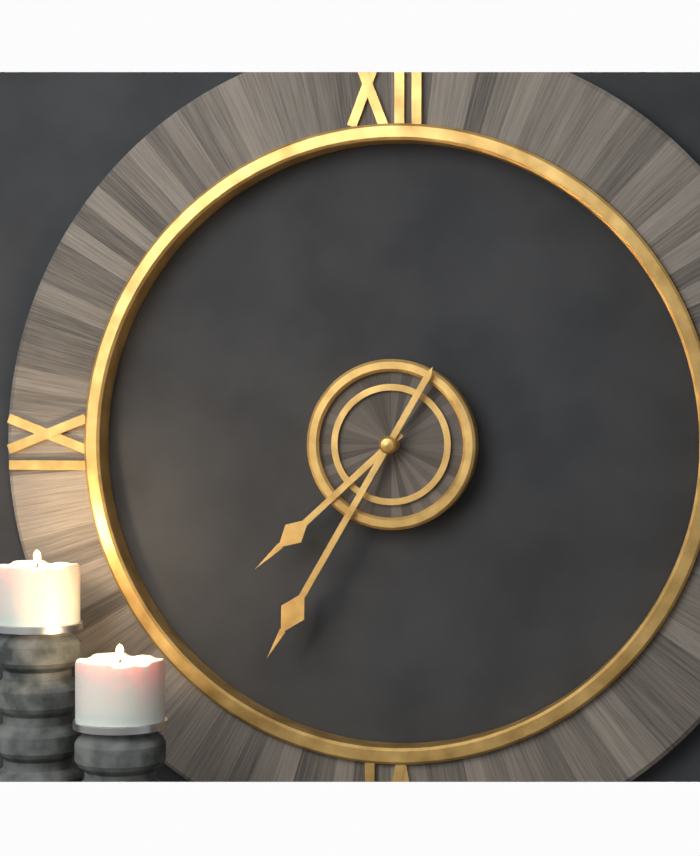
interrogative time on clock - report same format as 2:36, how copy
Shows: 7:35
